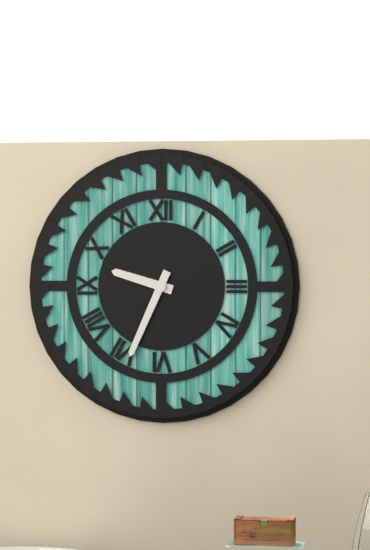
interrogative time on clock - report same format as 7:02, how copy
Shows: 9:34
